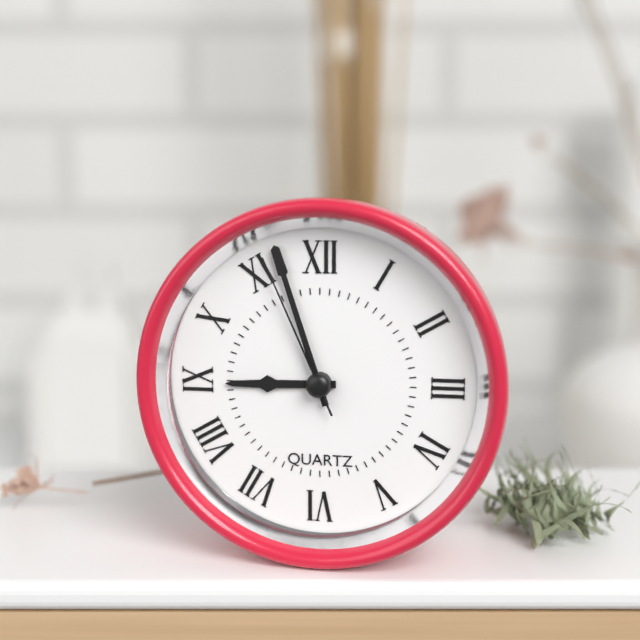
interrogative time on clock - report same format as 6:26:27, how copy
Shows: 8:57:56
